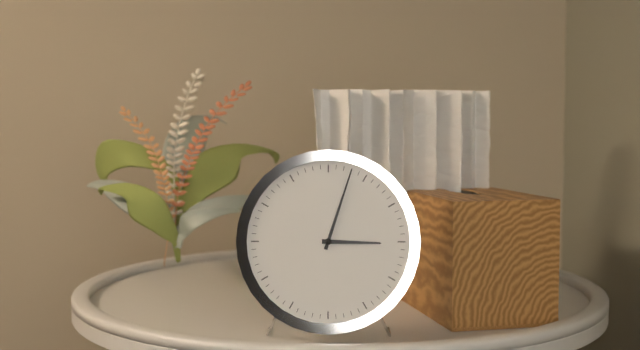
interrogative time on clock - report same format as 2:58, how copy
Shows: 3:03
